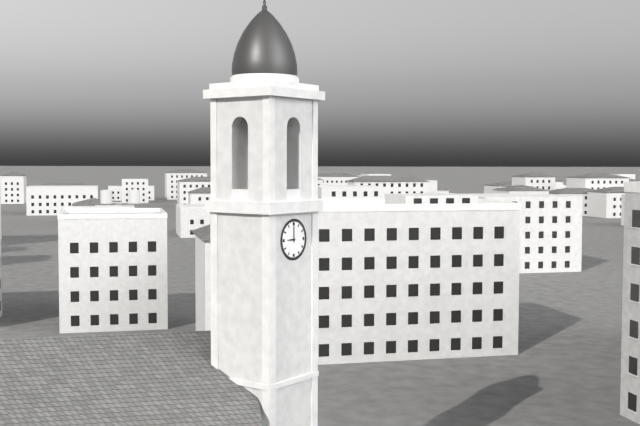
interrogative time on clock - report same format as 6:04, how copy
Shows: 9:00
